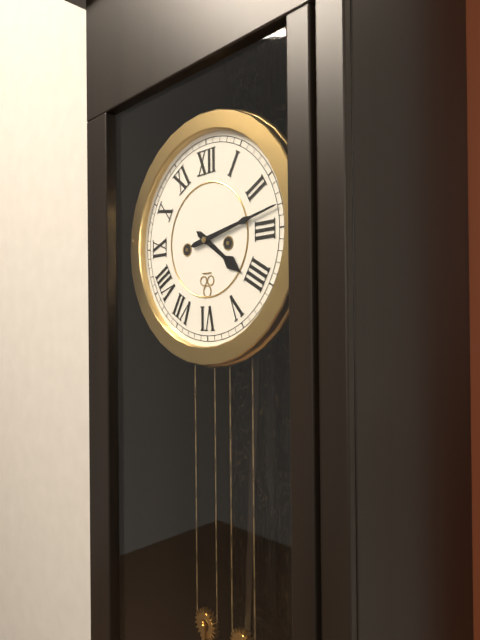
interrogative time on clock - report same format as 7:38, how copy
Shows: 4:13
